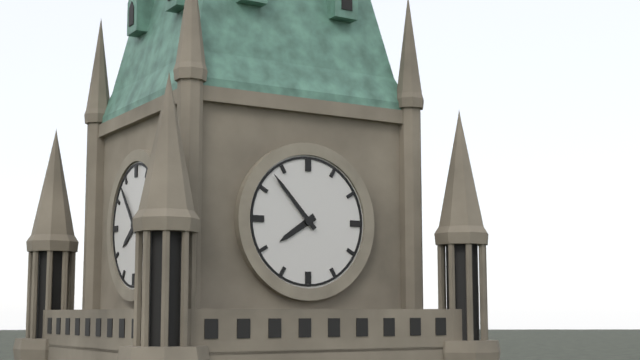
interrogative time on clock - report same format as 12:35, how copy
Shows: 7:53
